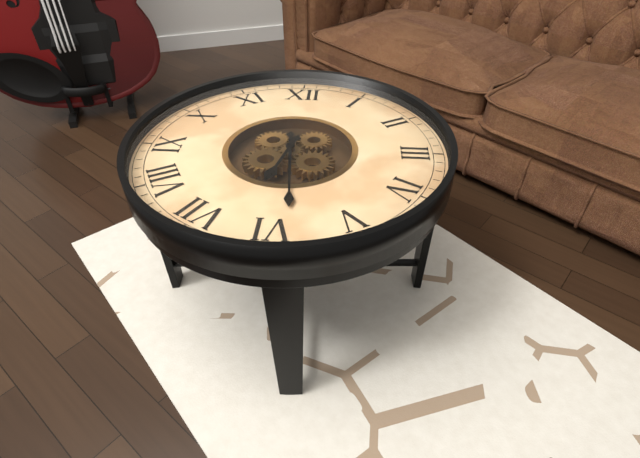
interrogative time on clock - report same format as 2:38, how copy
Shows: 6:29
